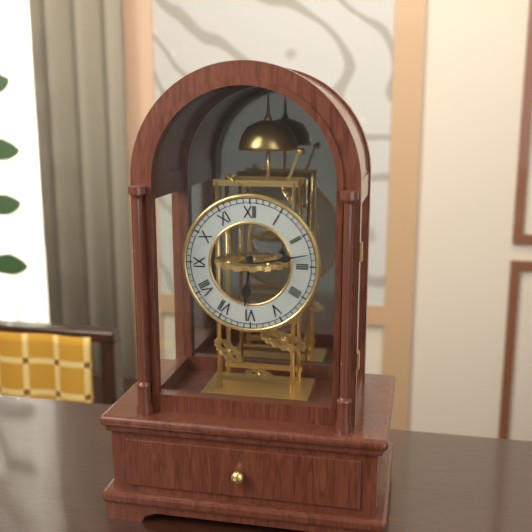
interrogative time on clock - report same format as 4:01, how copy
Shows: 6:13
